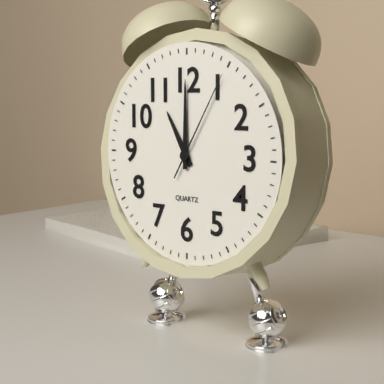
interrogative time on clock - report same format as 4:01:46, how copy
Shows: 11:00:05
